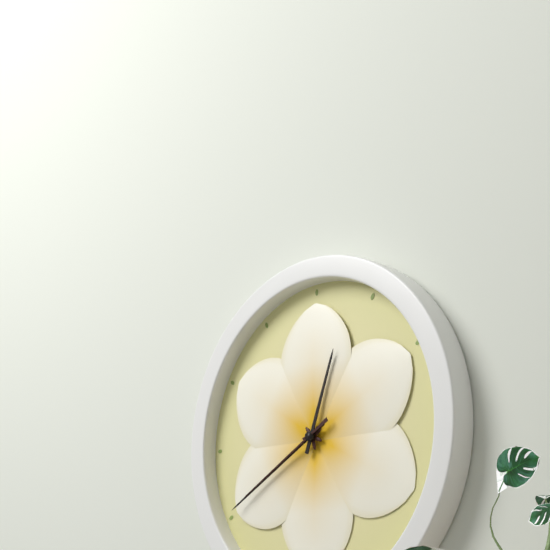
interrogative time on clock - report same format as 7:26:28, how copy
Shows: 12:40:40
